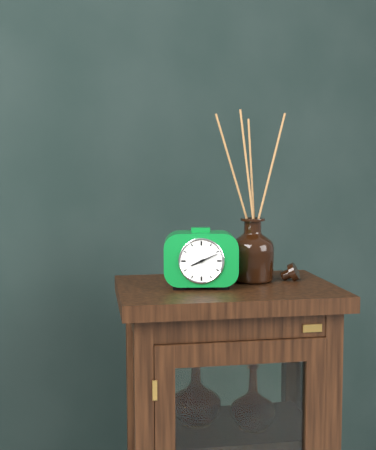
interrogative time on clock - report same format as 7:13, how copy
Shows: 8:11
